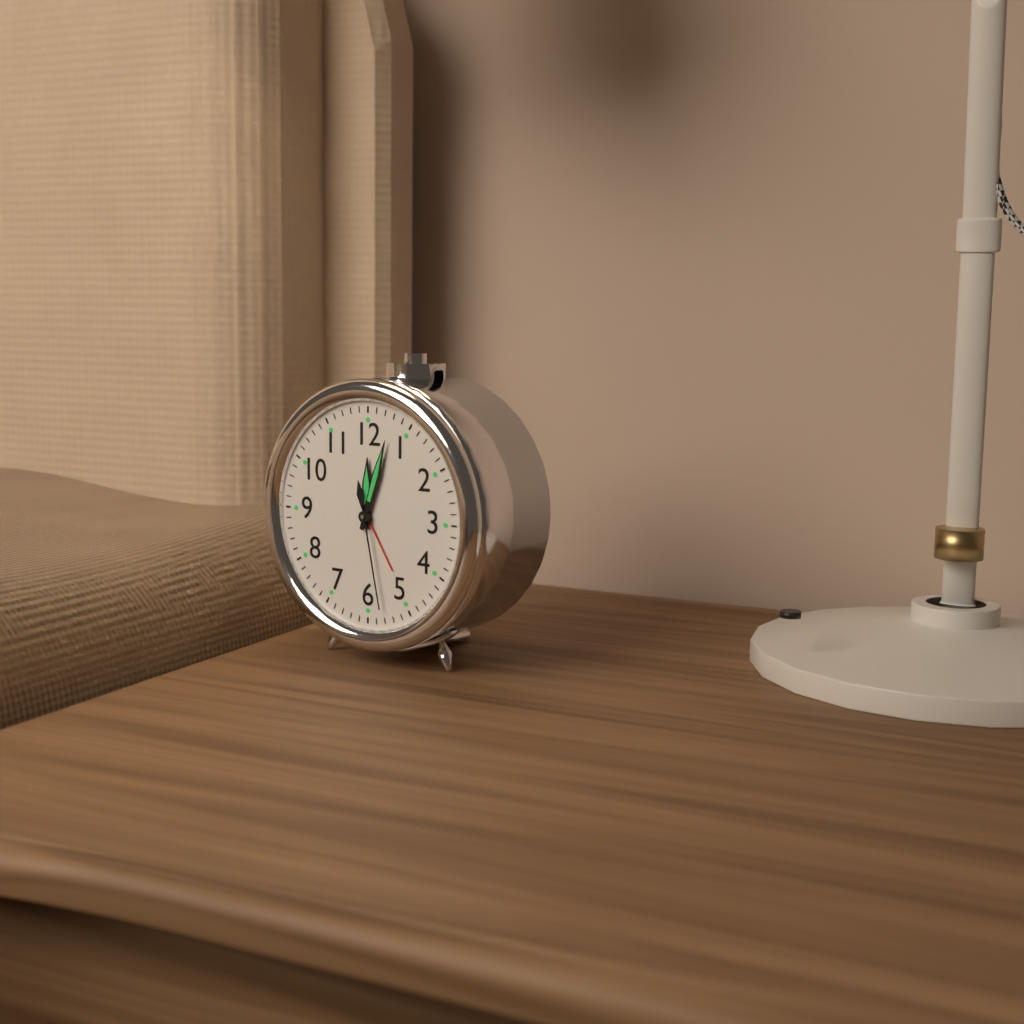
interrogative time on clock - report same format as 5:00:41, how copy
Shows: 12:03:28
